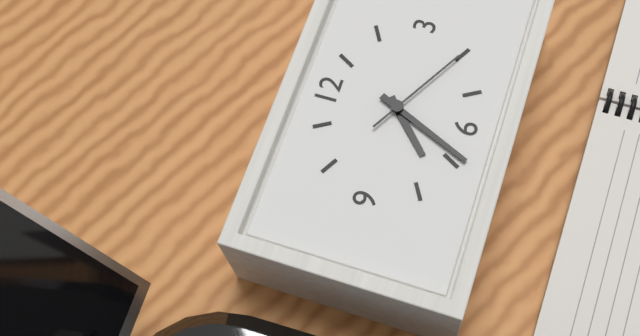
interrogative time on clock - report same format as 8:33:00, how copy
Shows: 7:34:20
